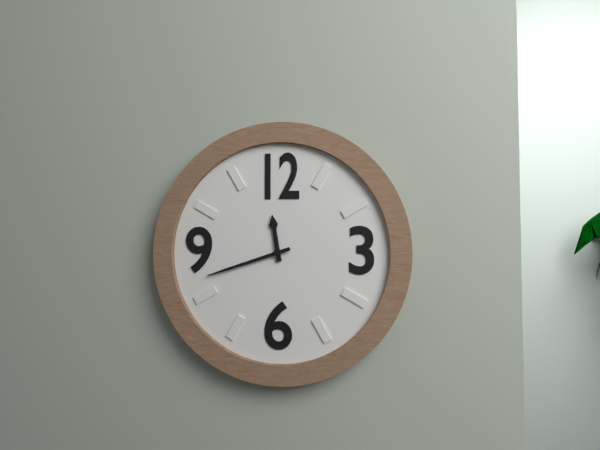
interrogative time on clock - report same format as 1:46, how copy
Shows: 11:42
